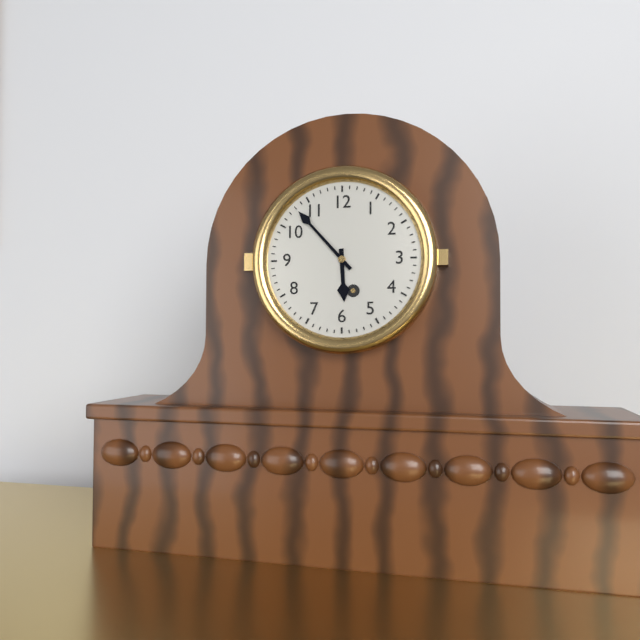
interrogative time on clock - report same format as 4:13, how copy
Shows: 5:53
